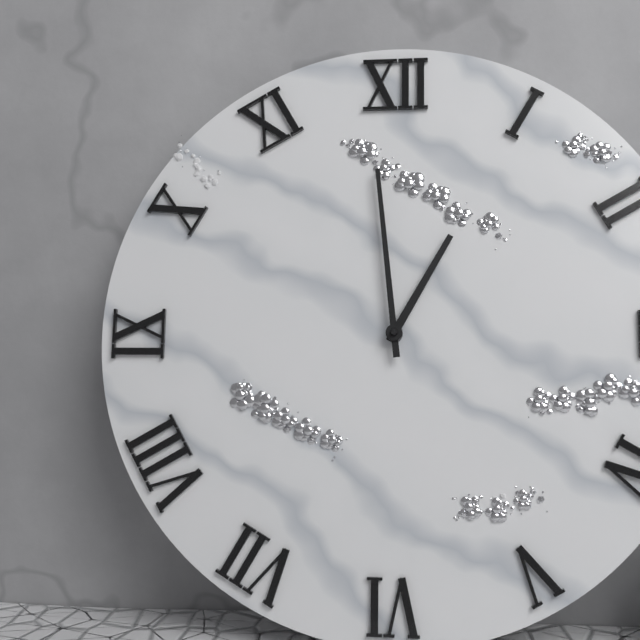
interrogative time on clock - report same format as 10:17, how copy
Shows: 12:59
